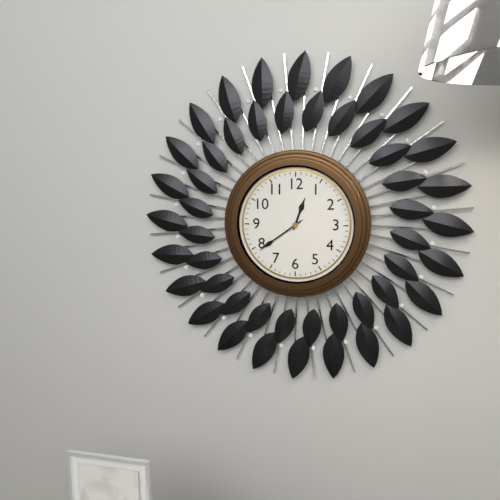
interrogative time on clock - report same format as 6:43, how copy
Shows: 12:39
